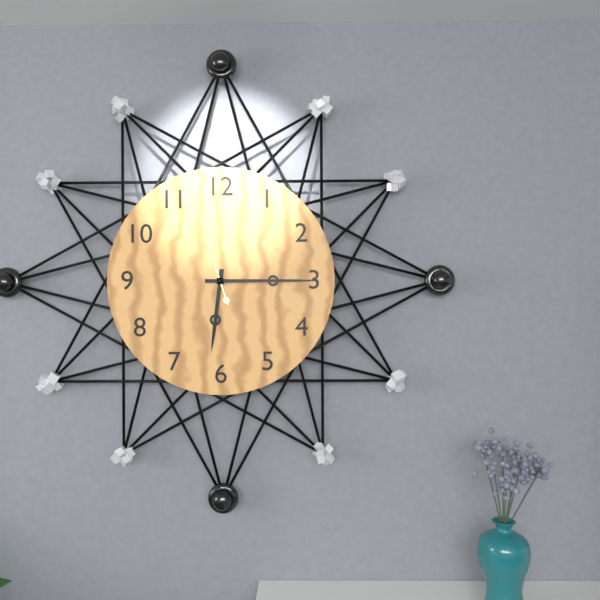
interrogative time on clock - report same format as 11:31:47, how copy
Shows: 6:15:57
